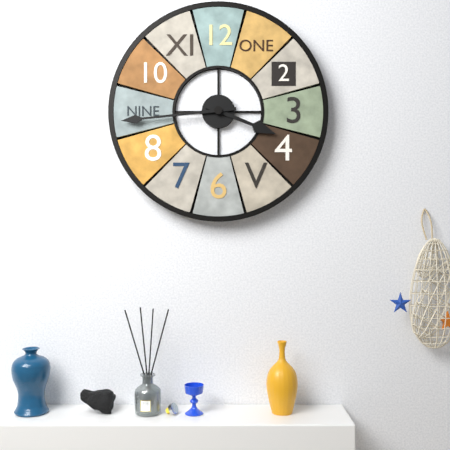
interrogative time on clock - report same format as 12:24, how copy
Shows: 3:44
